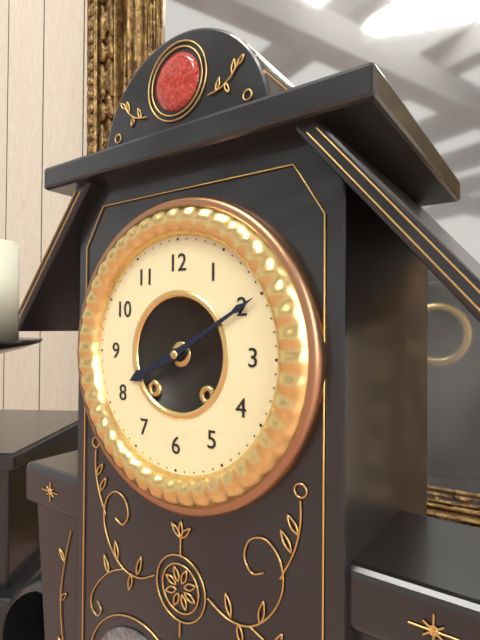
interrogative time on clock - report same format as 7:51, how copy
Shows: 8:10
